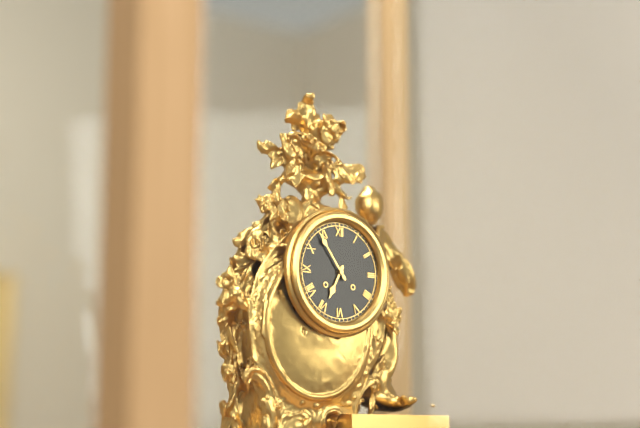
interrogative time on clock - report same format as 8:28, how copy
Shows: 6:54
